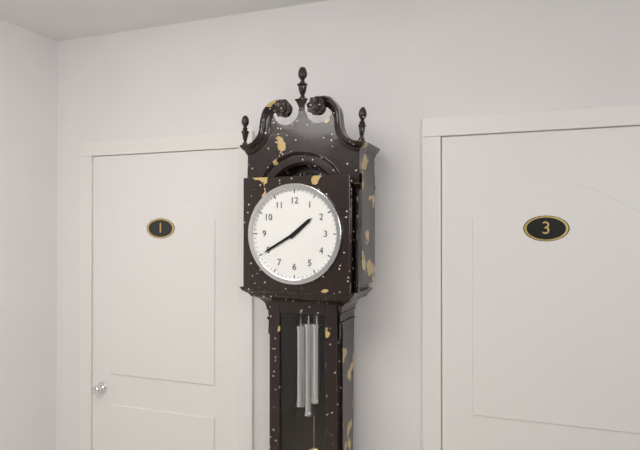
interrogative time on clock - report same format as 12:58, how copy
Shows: 1:40
